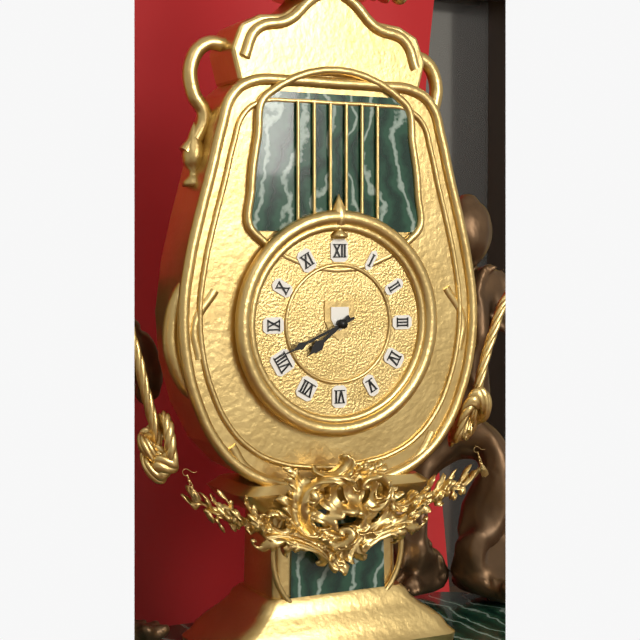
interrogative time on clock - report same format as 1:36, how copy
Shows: 7:41
